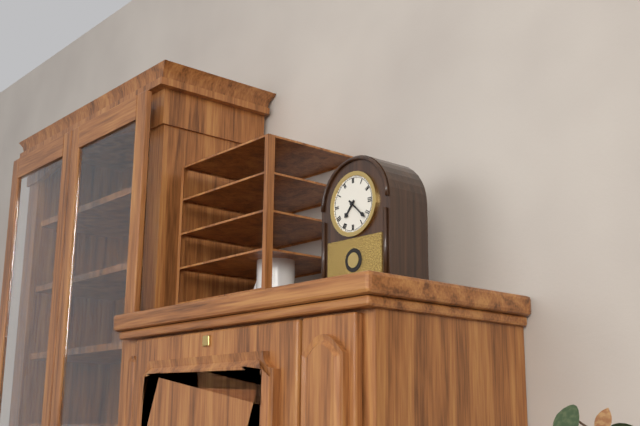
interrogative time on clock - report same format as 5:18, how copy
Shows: 7:22
